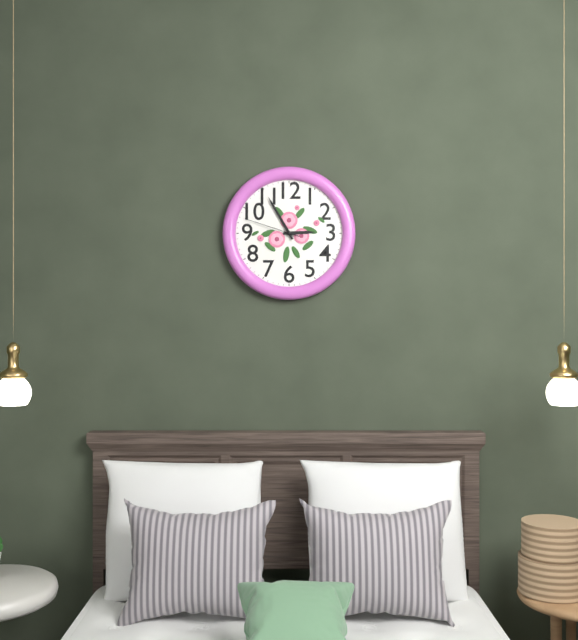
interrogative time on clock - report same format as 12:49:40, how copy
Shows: 2:55:48
